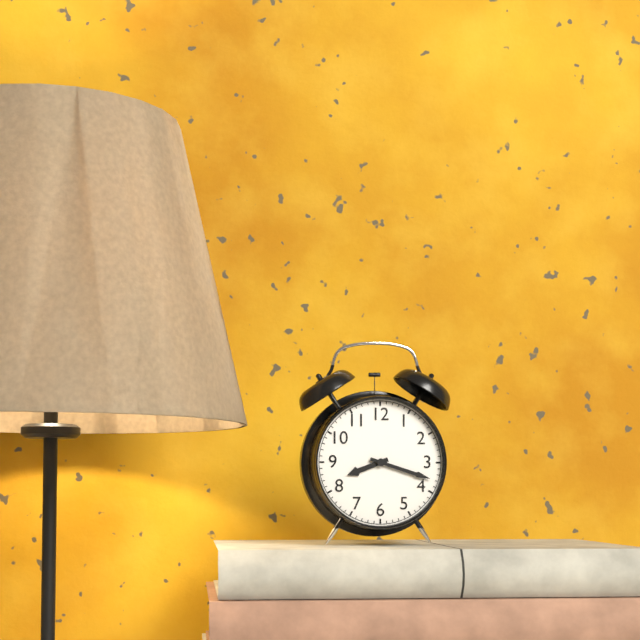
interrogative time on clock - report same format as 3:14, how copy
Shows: 8:18
